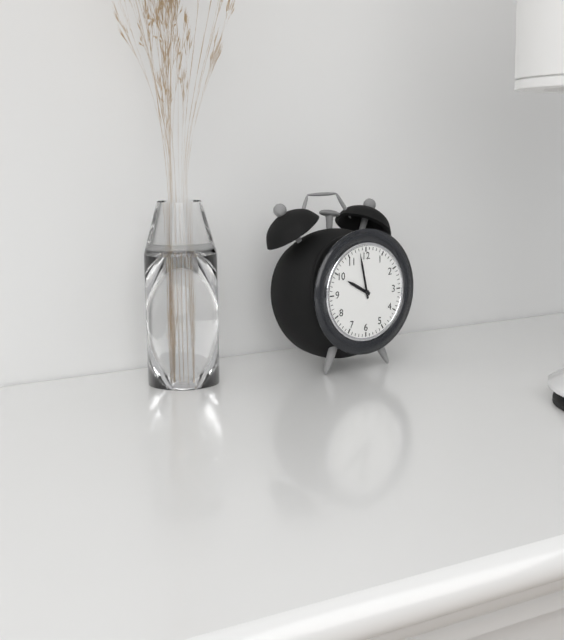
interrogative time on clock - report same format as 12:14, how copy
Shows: 9:58
